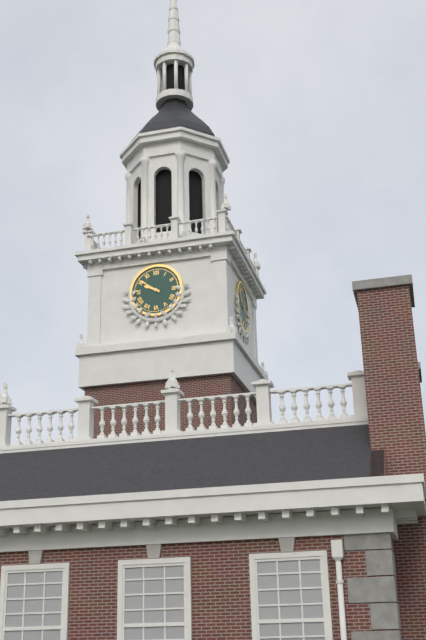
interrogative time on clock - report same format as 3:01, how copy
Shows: 9:51
